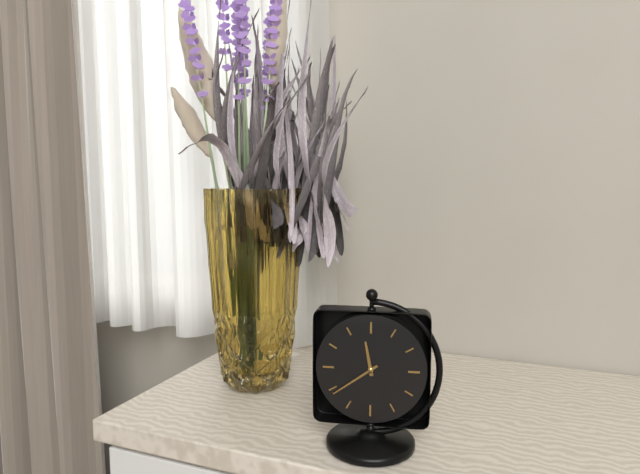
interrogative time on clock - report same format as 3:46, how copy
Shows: 11:39
